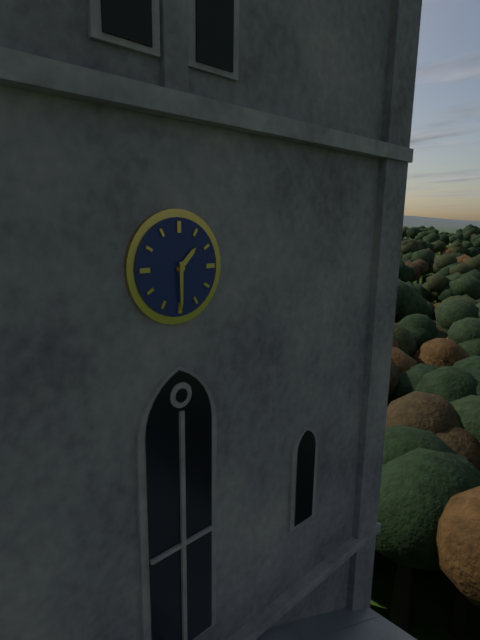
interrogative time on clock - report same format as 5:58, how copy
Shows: 1:30
